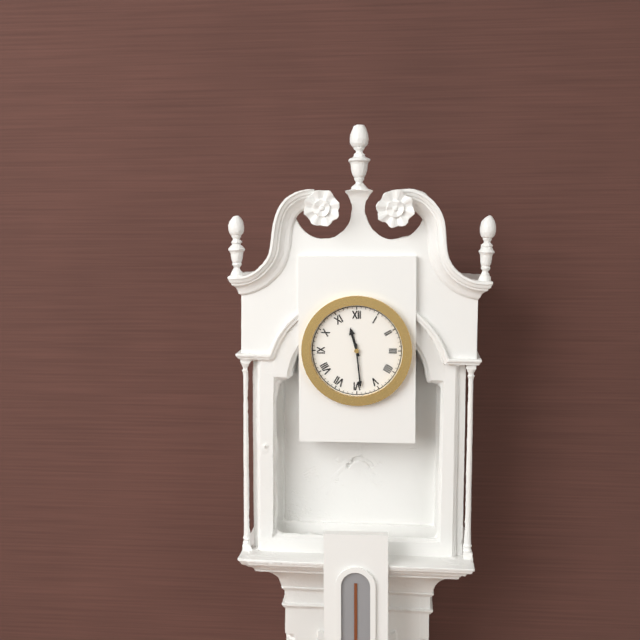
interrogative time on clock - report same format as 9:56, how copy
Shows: 11:29
